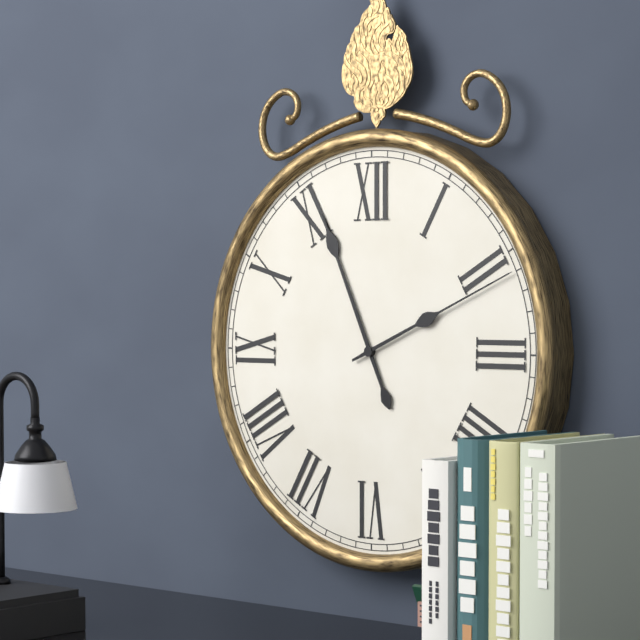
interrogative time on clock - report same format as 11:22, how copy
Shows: 11:11
